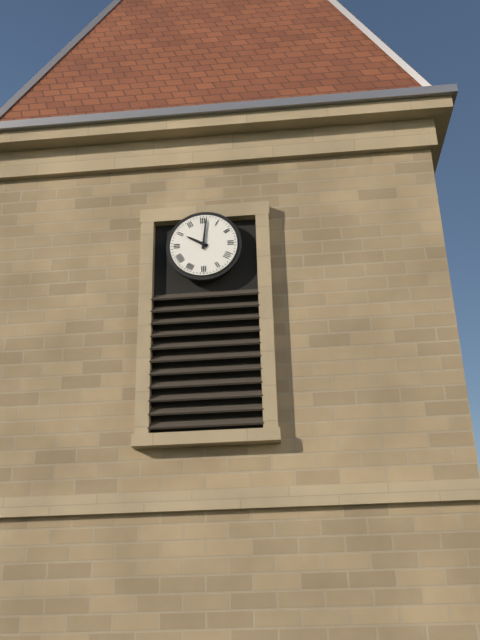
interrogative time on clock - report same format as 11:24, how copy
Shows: 10:01
